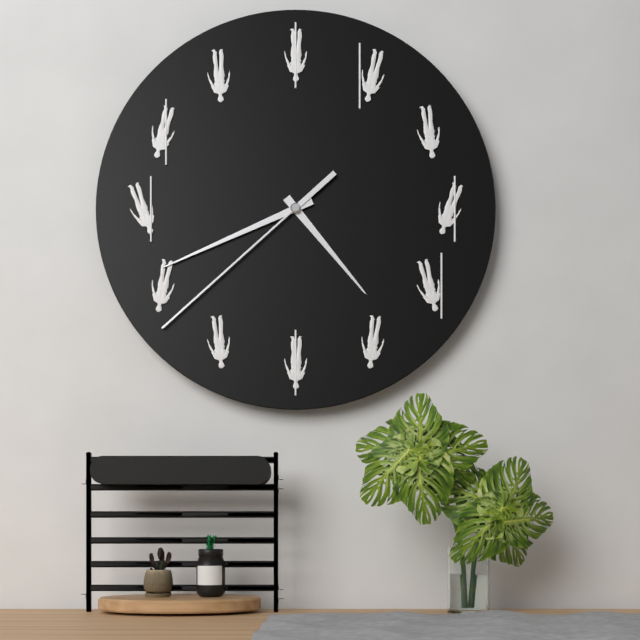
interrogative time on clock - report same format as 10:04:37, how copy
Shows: 4:41:38
